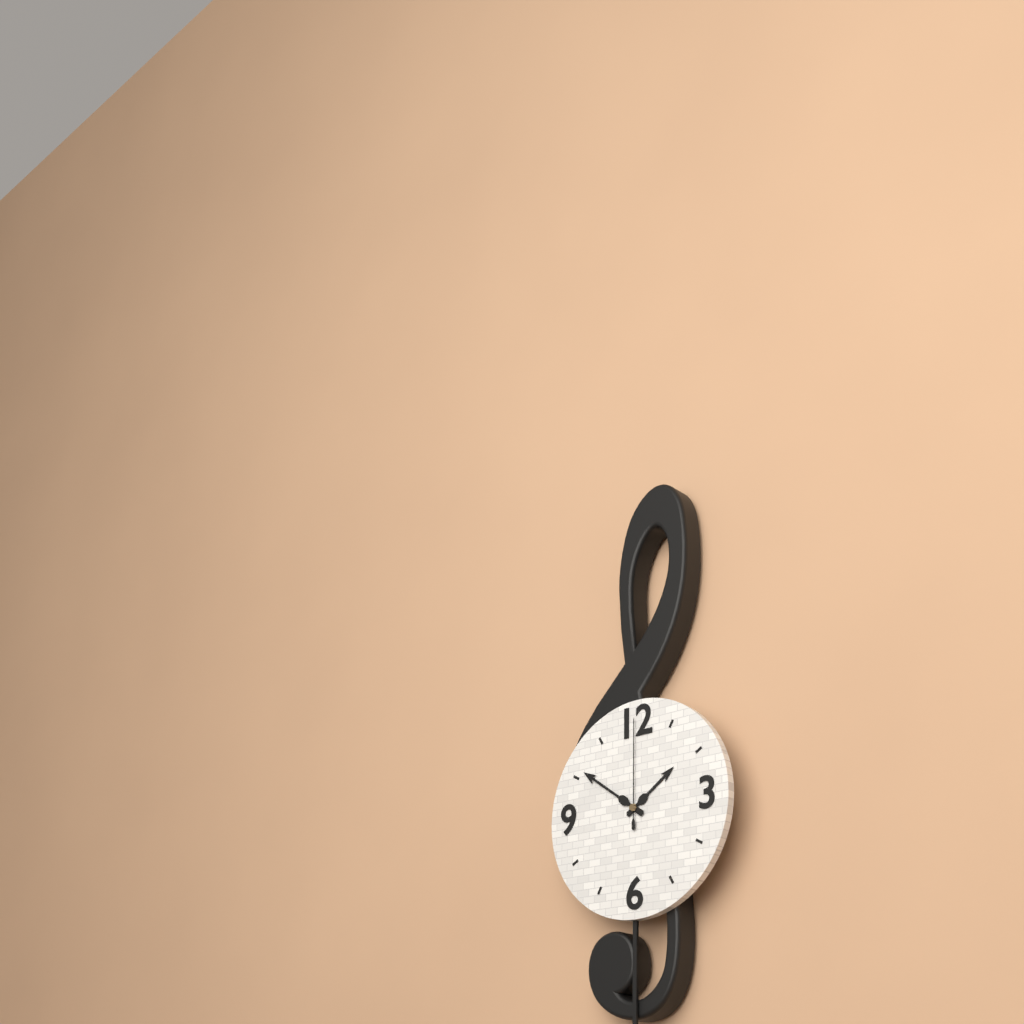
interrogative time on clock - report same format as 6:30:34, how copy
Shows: 1:51:00
